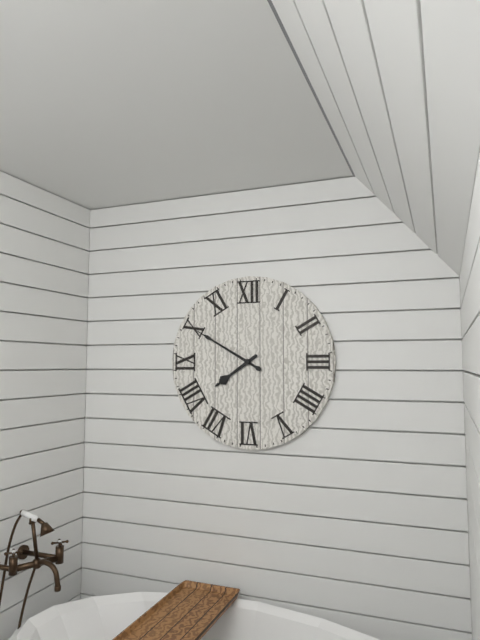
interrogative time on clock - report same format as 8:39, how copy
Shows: 7:50
